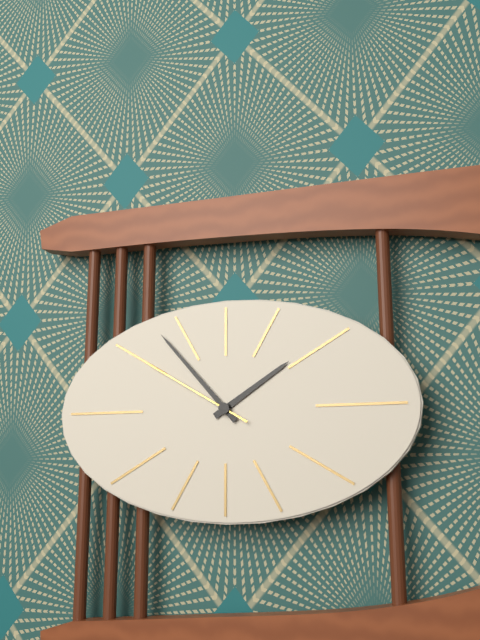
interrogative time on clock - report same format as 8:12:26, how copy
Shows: 1:53:50
